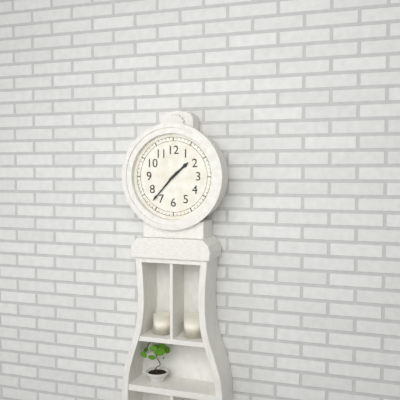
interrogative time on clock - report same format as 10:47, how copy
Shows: 1:37
